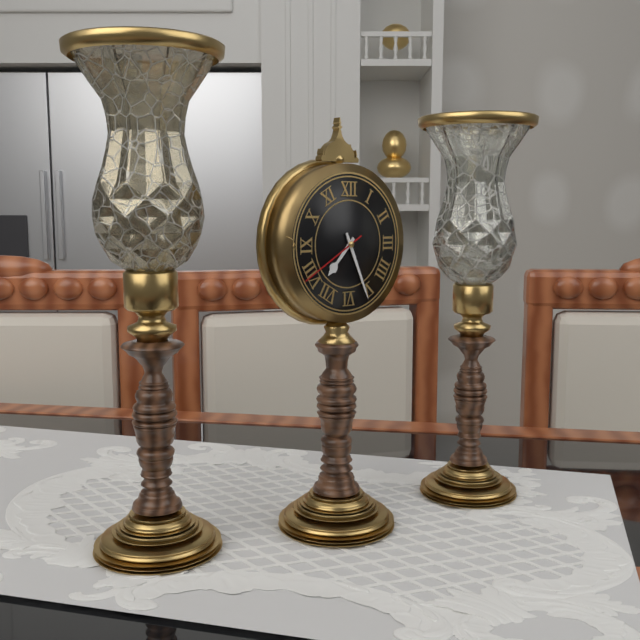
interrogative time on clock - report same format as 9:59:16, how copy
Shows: 7:26:40
